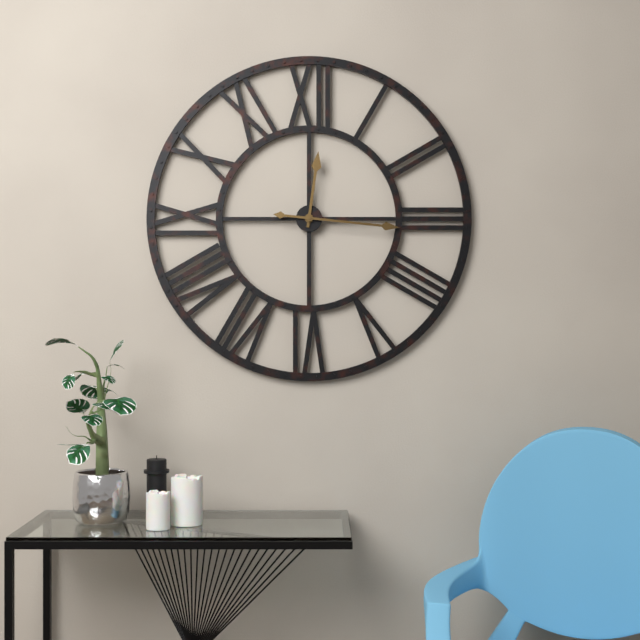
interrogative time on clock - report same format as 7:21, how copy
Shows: 12:16
